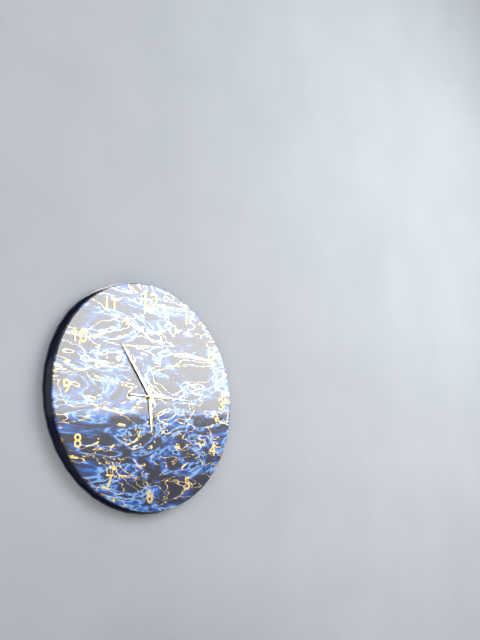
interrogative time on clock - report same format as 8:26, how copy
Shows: 5:54
